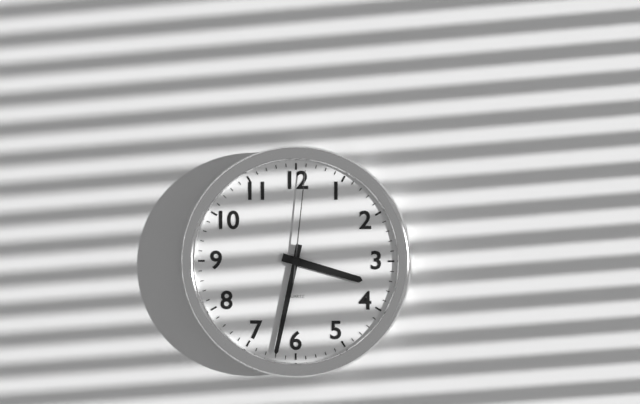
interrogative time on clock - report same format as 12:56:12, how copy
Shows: 3:32:01
